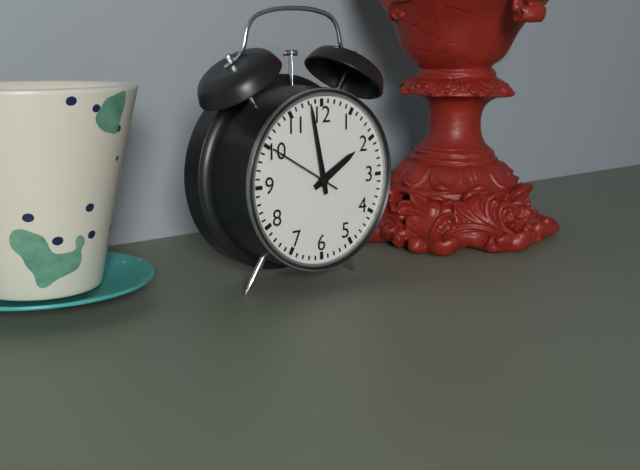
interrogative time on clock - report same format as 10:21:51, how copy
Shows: 1:58:50
